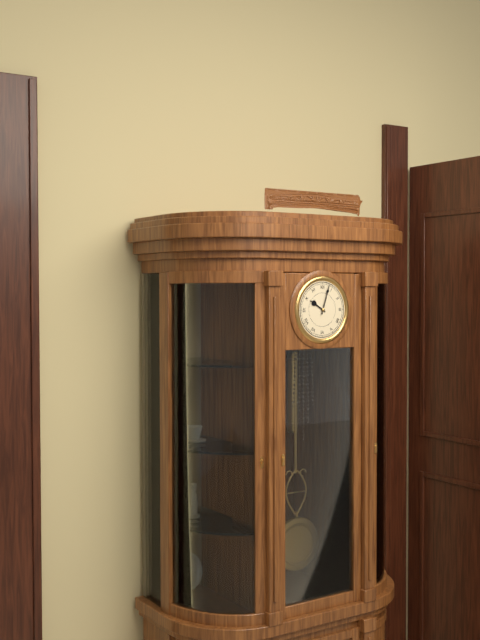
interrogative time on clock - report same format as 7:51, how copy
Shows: 10:03
